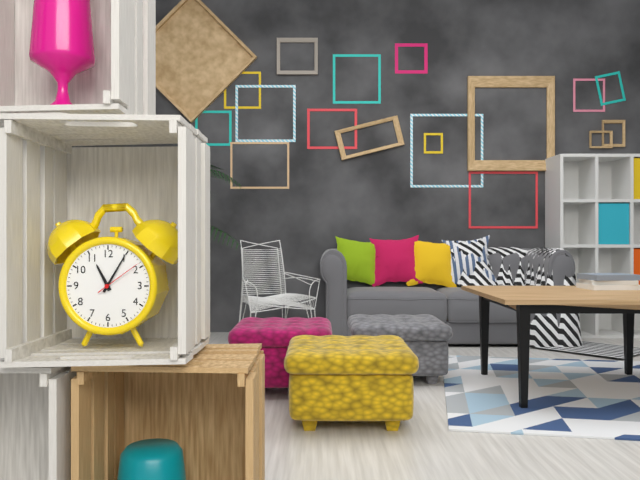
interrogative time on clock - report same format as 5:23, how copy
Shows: 11:05
